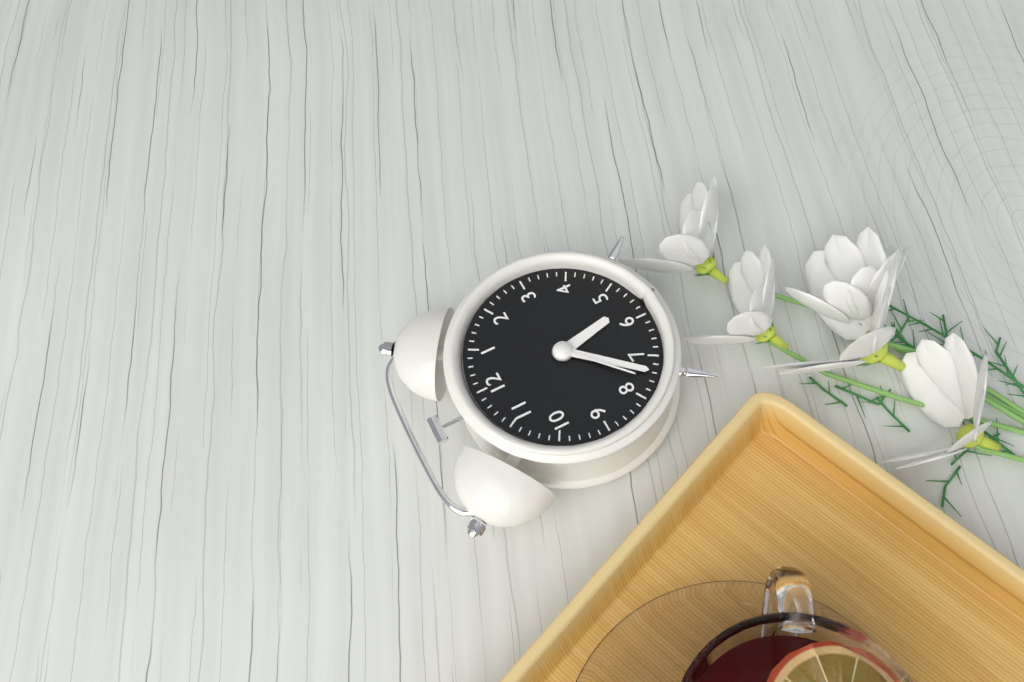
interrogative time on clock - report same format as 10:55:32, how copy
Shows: 5:37:38
